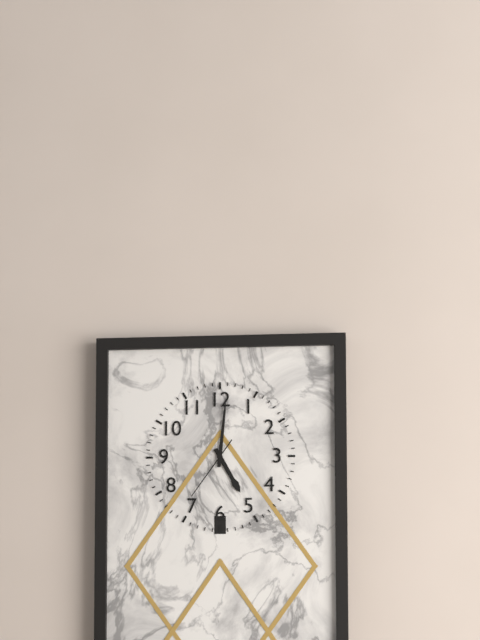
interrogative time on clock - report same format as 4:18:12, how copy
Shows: 5:01:36
